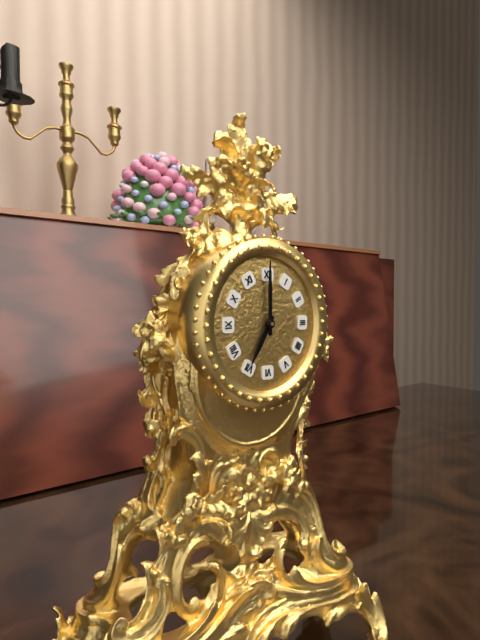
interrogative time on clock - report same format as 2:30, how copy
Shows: 7:00
